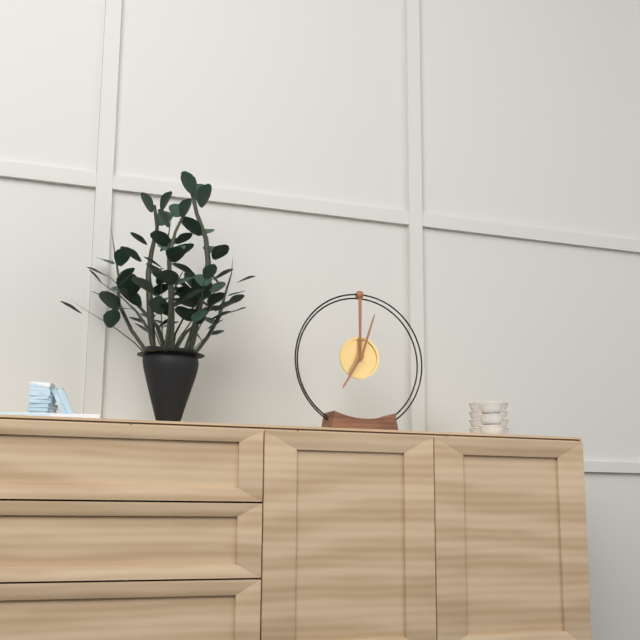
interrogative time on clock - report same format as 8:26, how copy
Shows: 7:03
